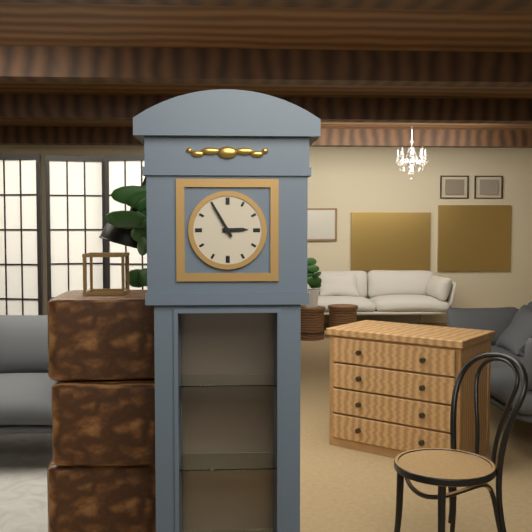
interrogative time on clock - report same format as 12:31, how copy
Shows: 2:55
